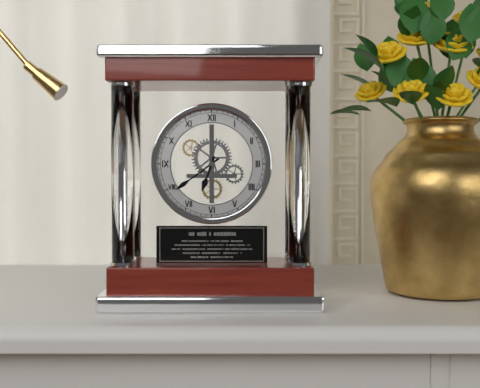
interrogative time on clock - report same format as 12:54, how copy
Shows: 6:39
